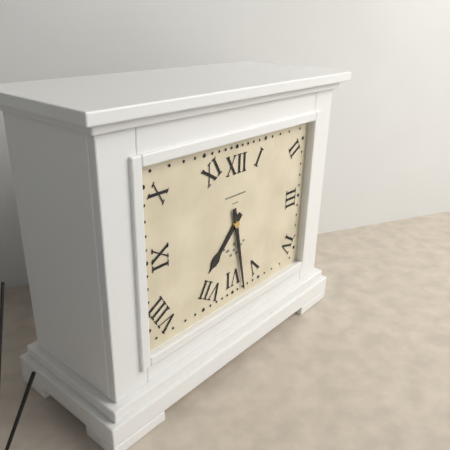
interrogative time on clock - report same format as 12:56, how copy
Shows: 7:28
